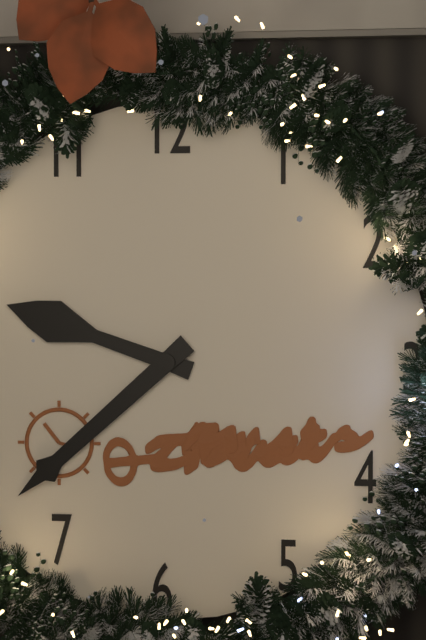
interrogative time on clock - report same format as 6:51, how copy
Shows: 9:38
